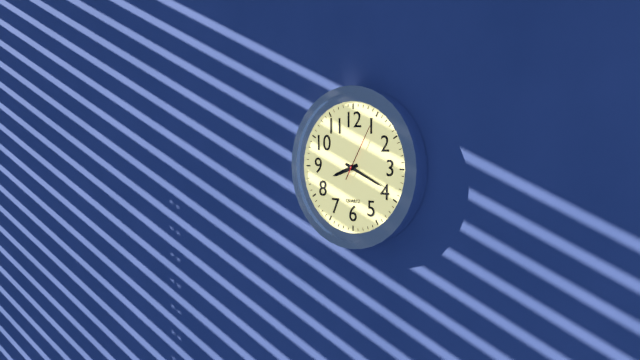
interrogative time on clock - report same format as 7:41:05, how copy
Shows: 8:19:05
